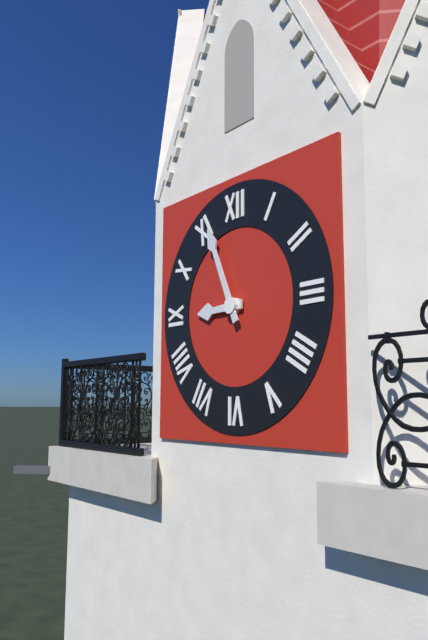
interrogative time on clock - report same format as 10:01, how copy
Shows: 8:56
